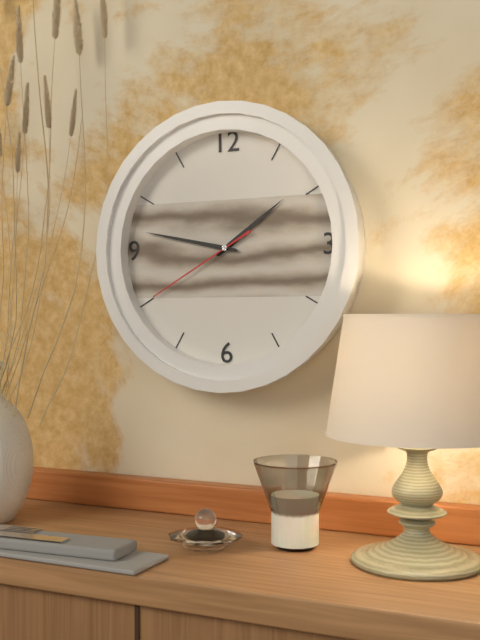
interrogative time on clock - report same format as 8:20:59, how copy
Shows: 1:47:40
